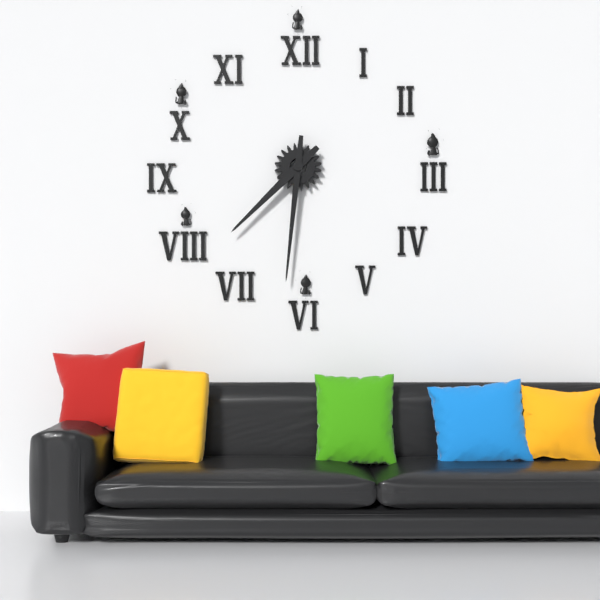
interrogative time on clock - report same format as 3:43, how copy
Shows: 7:31
